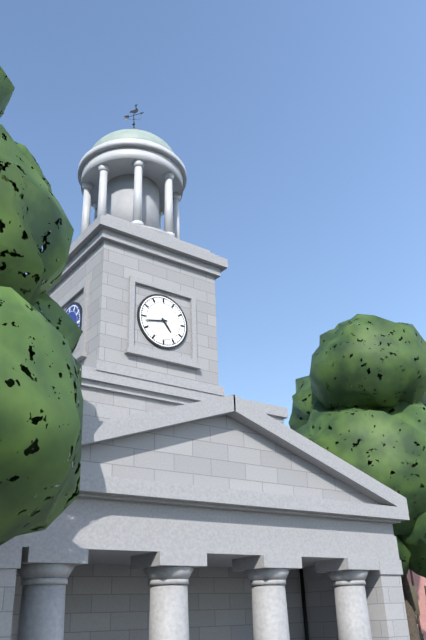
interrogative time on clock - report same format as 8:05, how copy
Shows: 4:43
